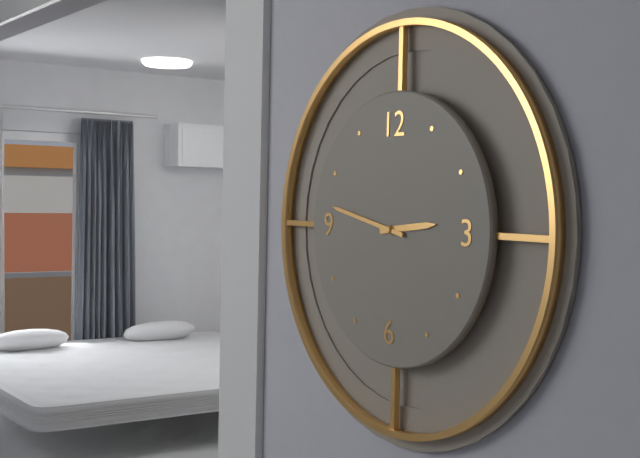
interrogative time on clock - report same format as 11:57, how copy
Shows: 2:47
